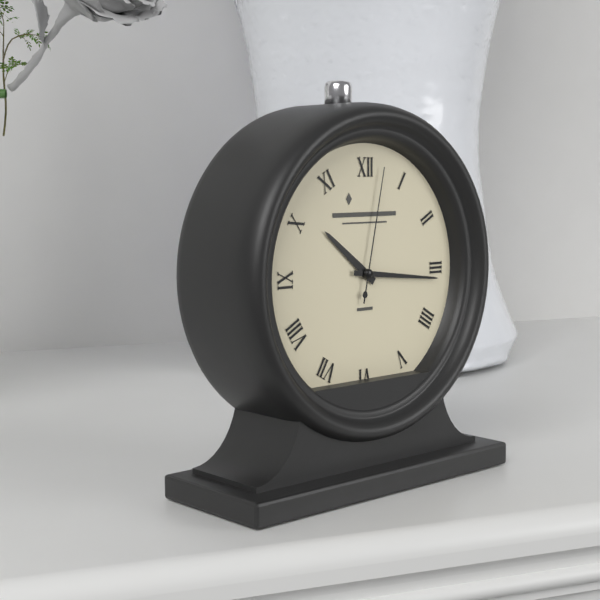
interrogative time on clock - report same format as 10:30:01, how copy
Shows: 10:16:02
